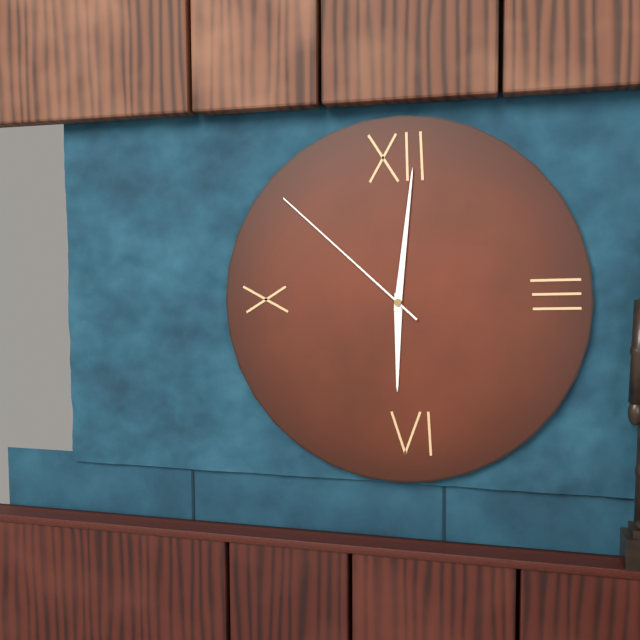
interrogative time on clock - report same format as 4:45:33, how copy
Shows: 6:01:52
